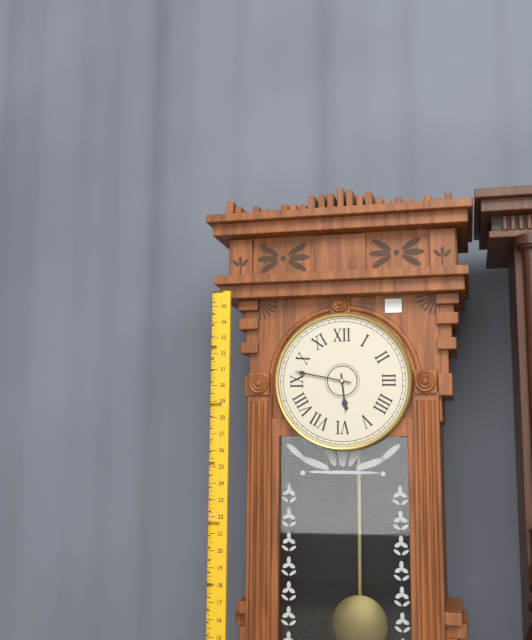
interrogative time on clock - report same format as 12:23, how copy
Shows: 5:47
